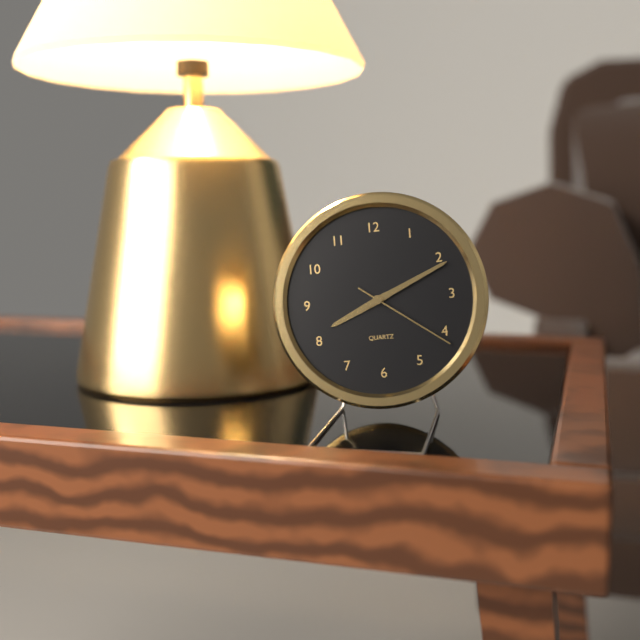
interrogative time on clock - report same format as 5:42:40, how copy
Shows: 8:11:21
